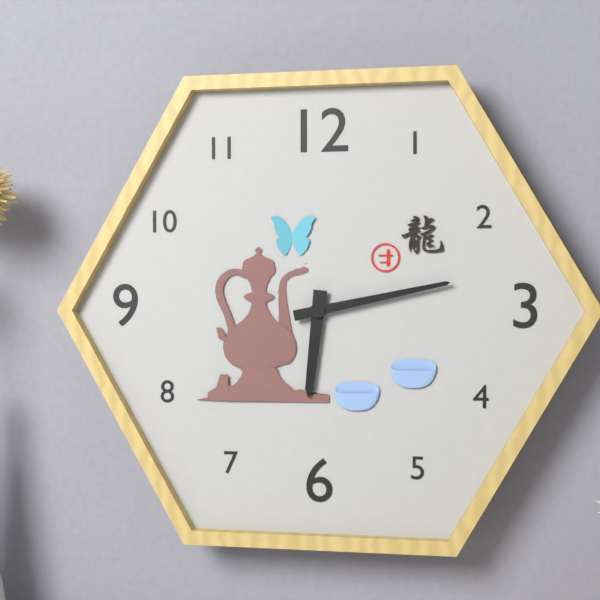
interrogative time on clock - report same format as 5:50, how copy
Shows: 6:13
